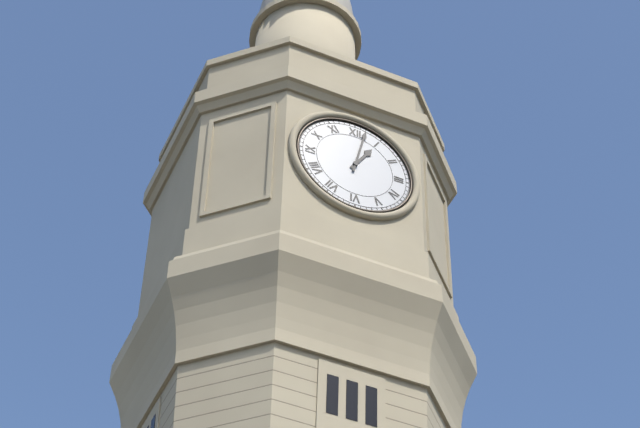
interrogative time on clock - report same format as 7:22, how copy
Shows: 1:02
